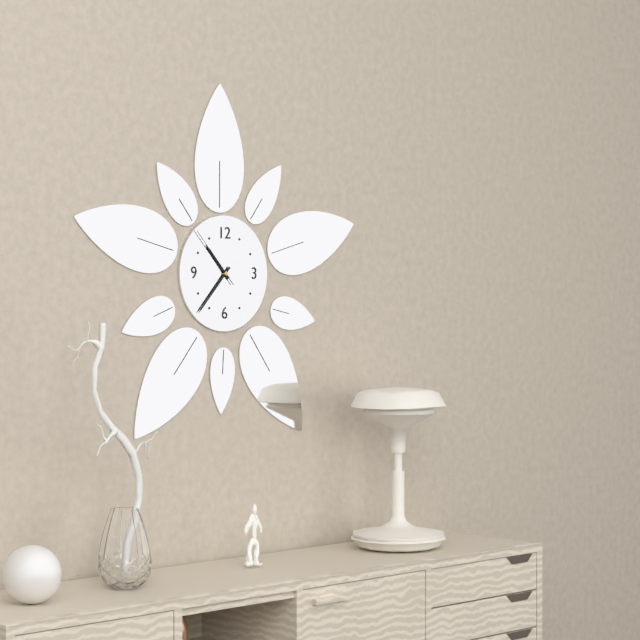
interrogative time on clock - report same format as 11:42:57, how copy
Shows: 10:37:53
